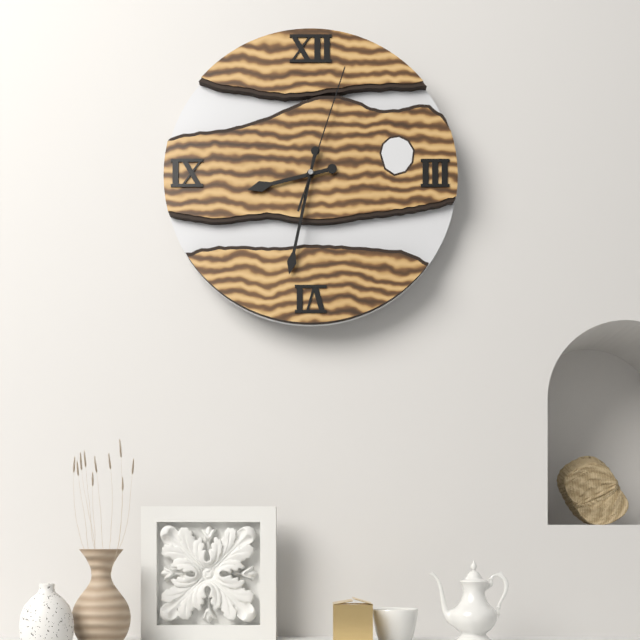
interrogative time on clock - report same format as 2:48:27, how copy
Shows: 8:32:03
